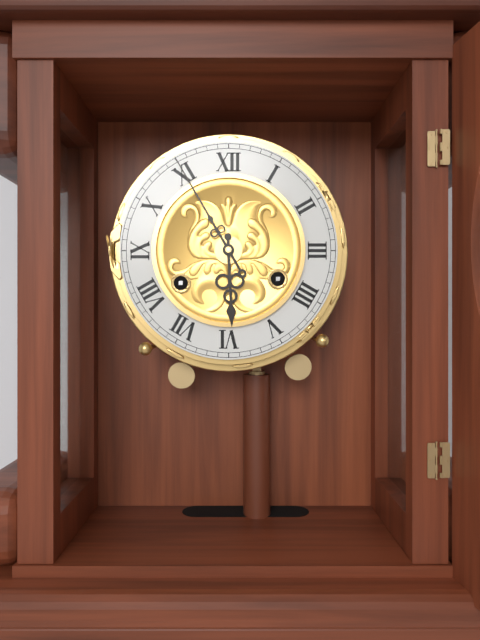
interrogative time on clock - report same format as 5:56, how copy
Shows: 5:55
